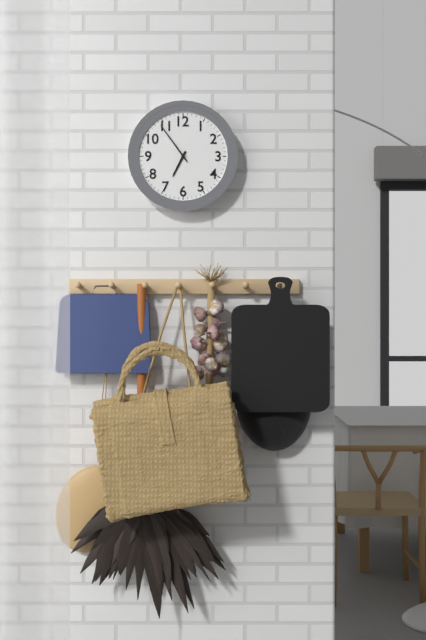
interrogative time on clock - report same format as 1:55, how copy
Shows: 6:54
